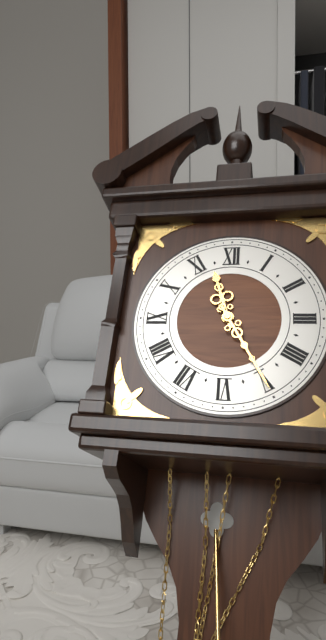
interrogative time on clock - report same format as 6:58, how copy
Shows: 11:25
